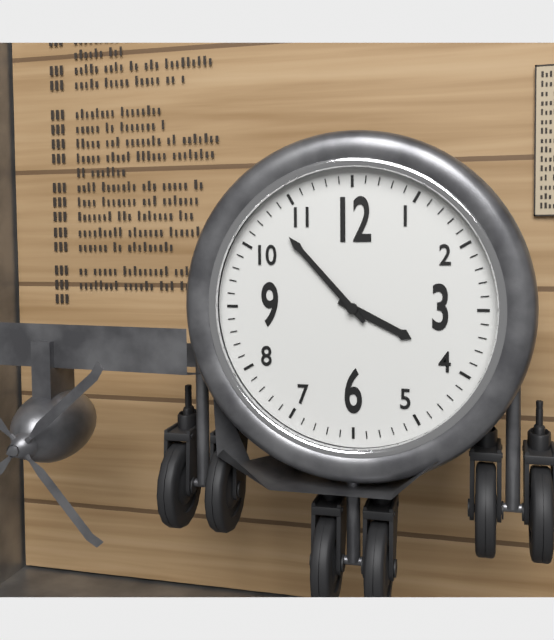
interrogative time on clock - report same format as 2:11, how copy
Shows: 3:53
